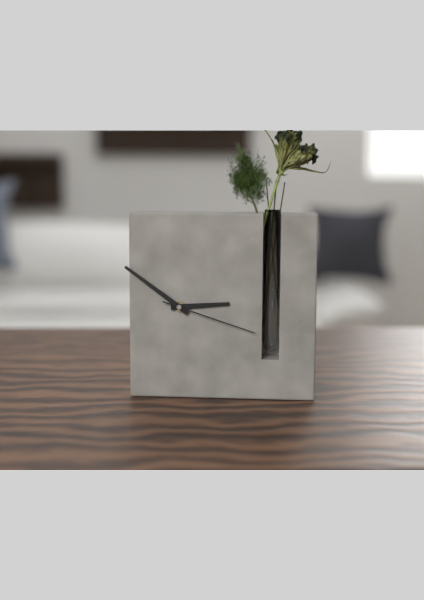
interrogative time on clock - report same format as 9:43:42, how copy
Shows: 2:51:18
